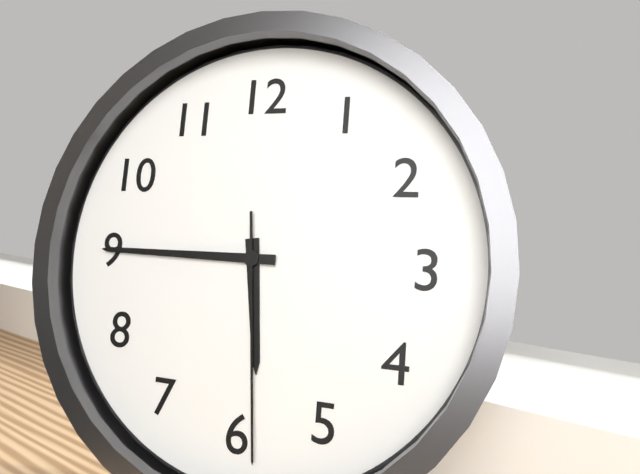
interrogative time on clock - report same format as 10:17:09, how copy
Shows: 5:45:29
